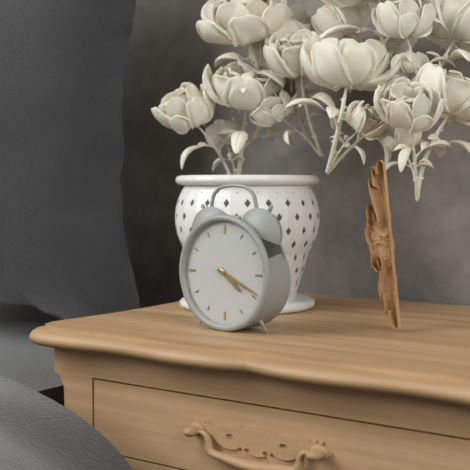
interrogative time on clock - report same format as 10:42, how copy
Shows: 4:19
